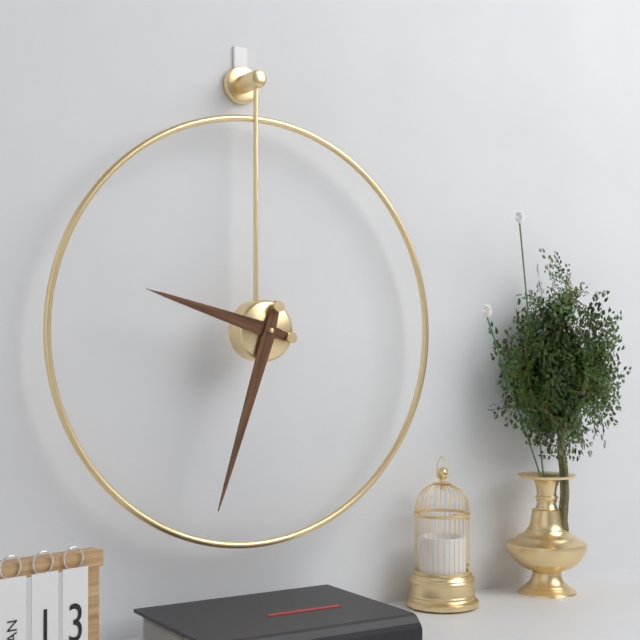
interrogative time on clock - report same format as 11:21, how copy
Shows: 9:33
